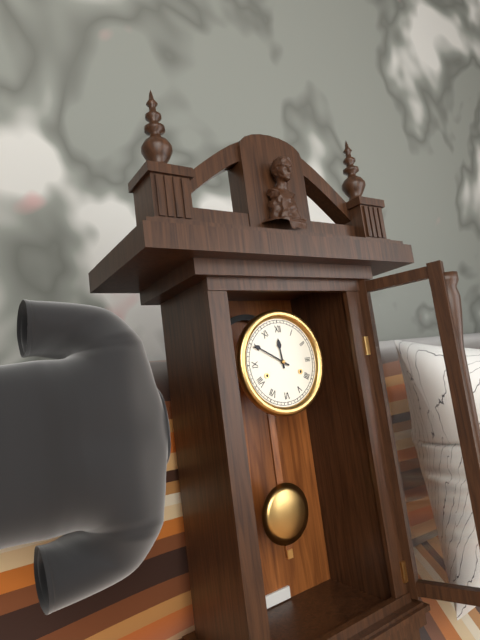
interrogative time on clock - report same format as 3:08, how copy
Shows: 11:50
